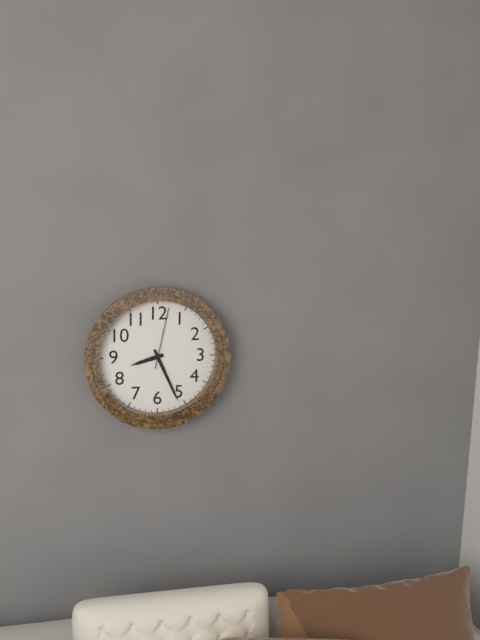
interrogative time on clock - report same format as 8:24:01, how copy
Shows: 8:26:02
